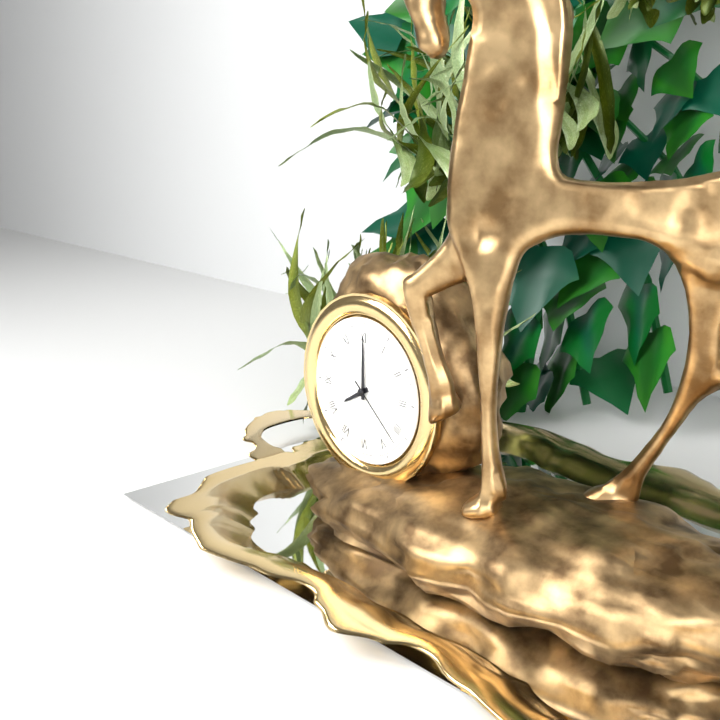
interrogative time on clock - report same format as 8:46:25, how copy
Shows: 8:00:22
